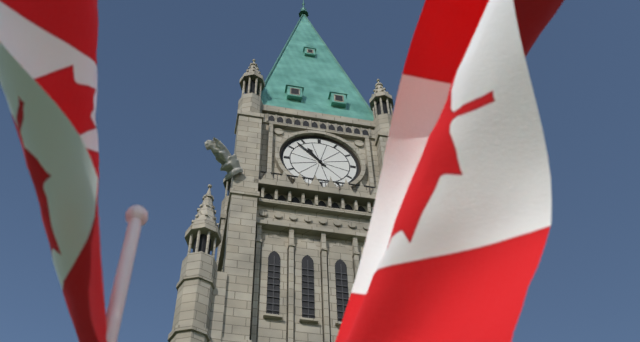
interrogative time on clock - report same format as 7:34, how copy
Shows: 10:53
